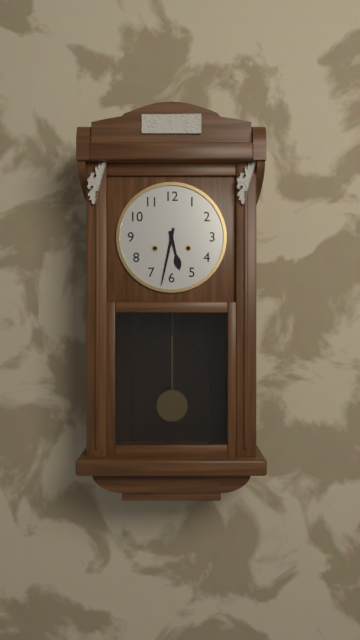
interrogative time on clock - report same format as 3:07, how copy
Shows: 5:32
